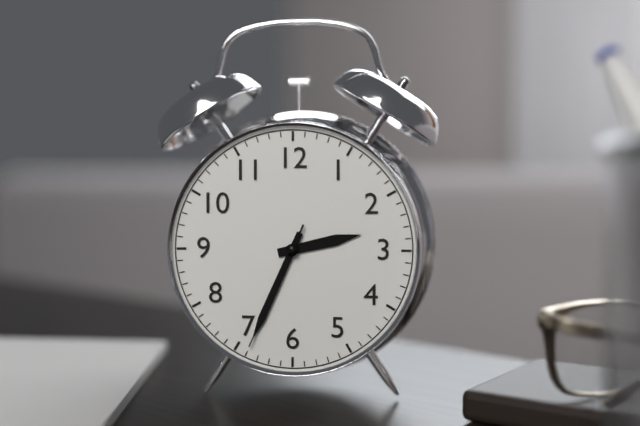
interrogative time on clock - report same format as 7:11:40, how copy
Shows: 2:34:34
